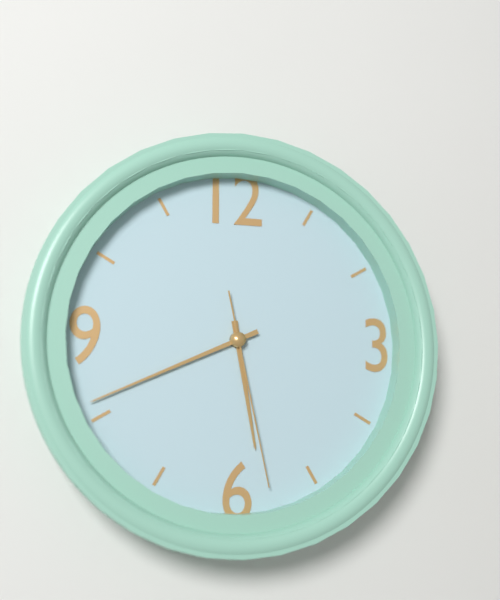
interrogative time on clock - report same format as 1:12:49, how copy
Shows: 5:41:28
